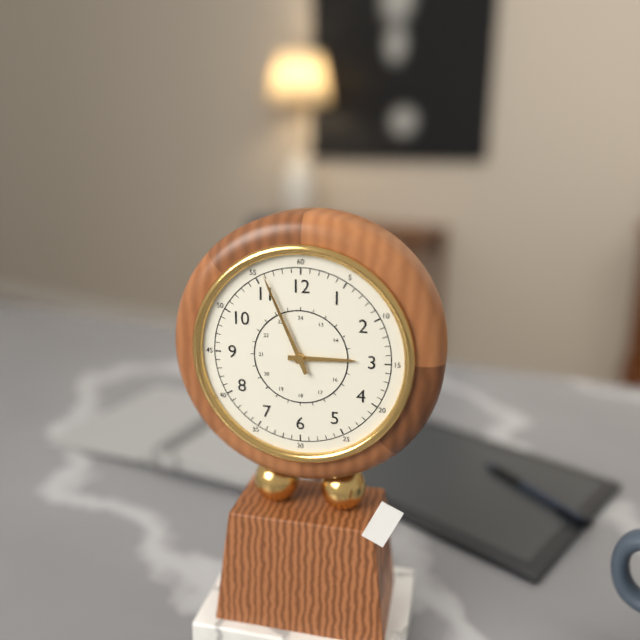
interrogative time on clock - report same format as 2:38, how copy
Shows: 2:56
